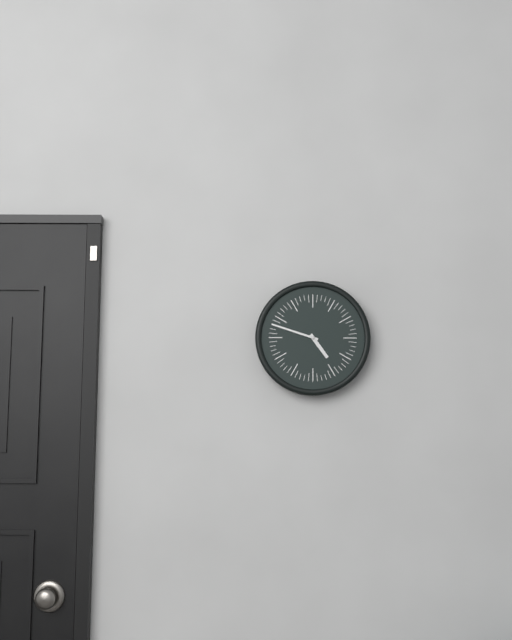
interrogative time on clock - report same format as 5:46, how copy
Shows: 4:48
